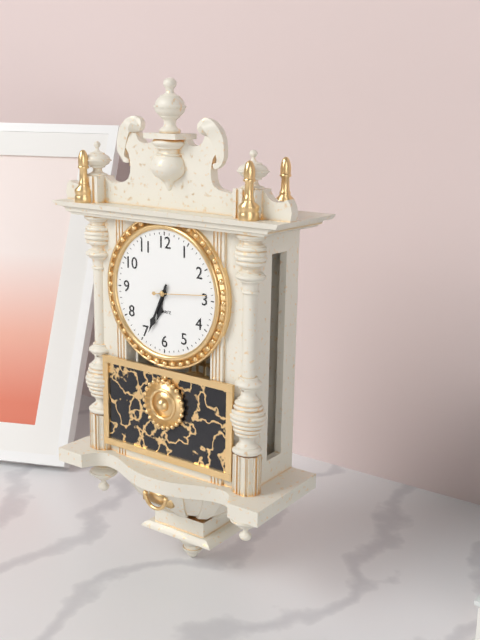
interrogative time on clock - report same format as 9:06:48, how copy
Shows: 6:34:14
